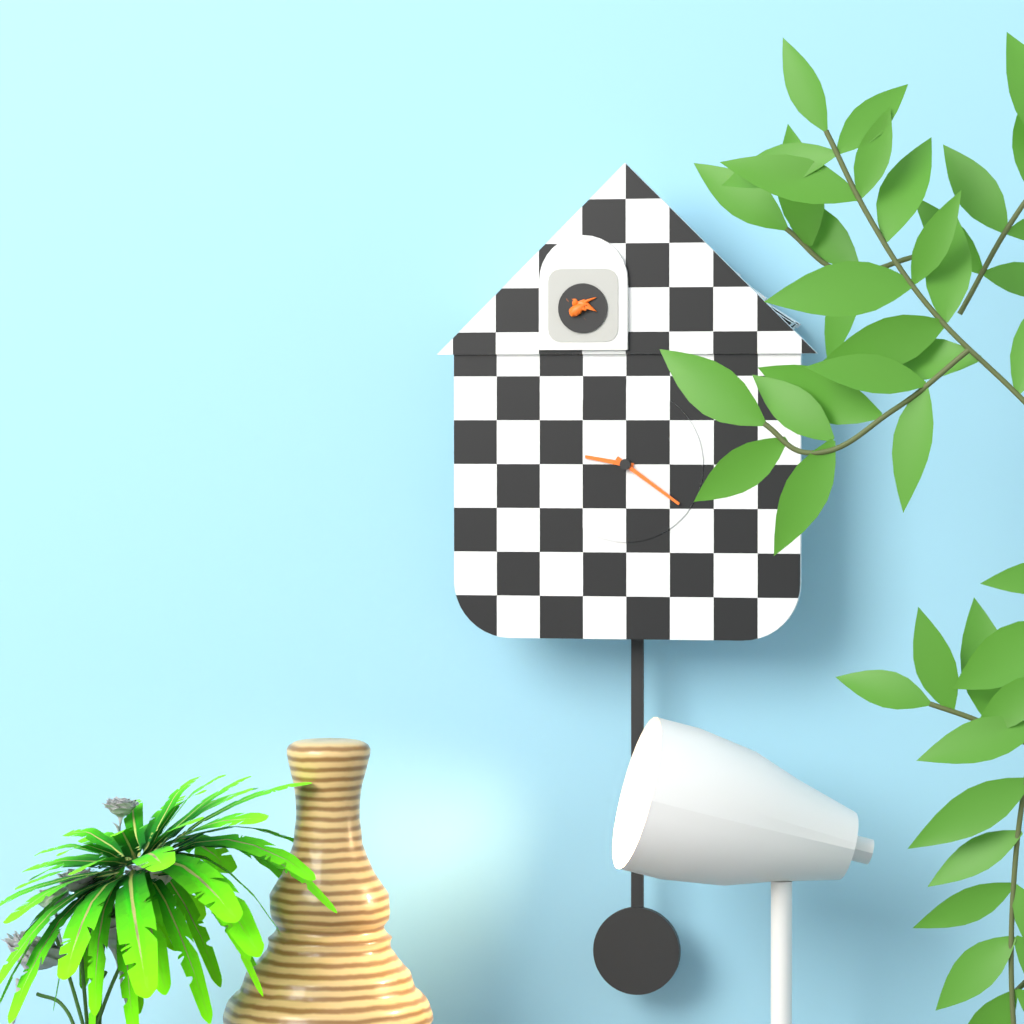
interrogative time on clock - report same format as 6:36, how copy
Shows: 9:21
